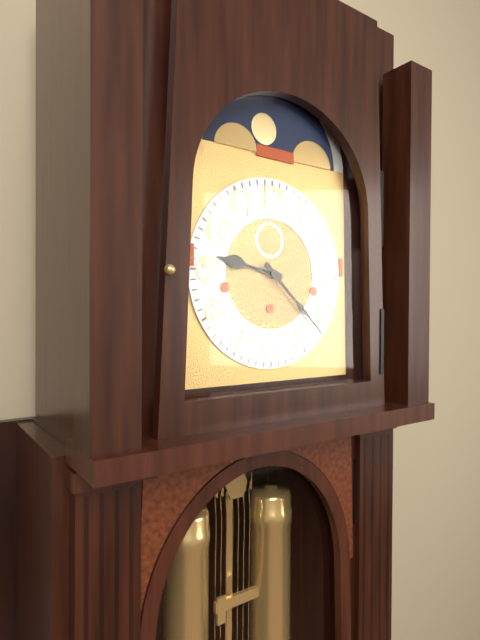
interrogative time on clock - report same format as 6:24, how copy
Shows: 9:22
